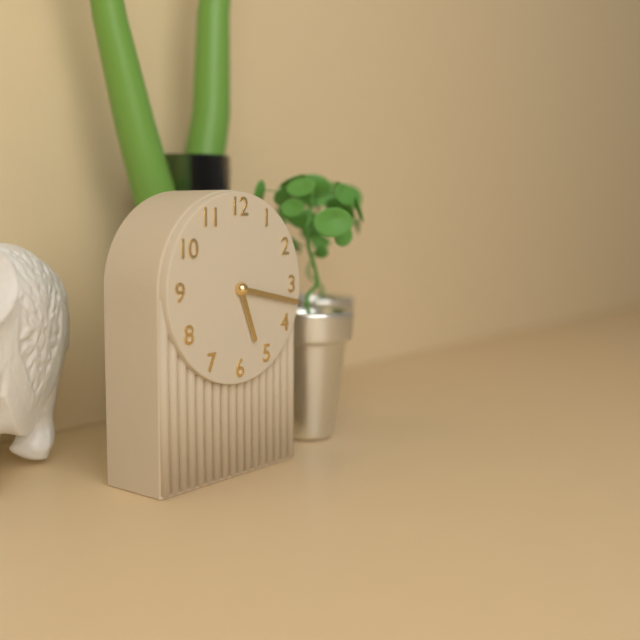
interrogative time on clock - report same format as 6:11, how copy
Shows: 5:17
